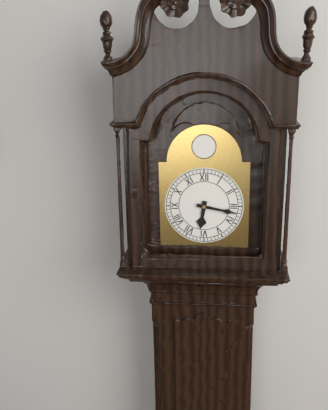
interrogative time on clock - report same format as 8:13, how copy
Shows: 6:17
